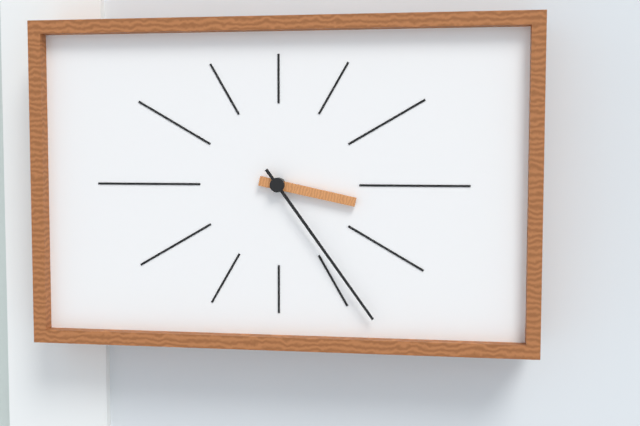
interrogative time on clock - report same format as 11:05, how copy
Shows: 3:24
